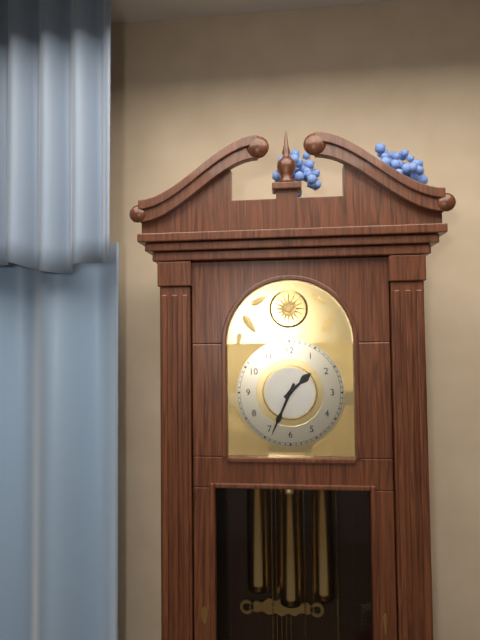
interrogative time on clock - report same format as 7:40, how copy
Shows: 1:34
